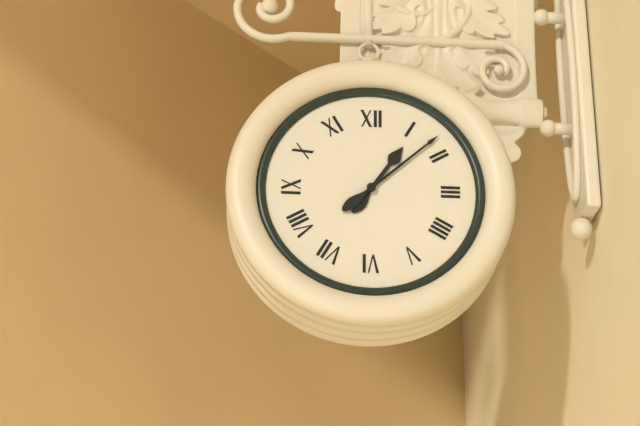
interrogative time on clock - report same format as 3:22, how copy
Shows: 1:08
